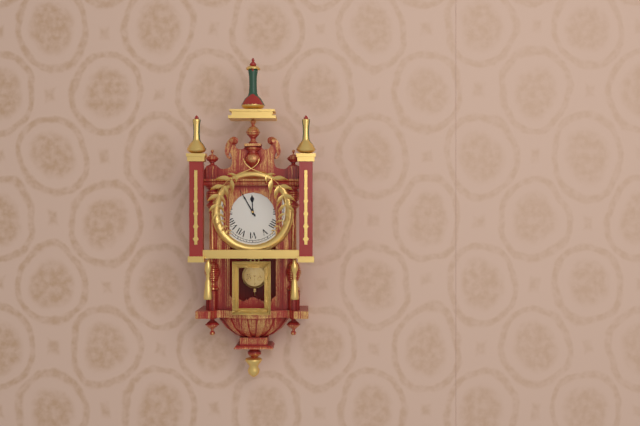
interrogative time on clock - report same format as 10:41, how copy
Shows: 11:55
